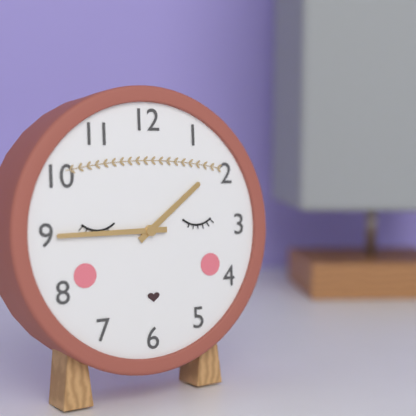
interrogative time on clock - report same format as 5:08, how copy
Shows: 1:45
